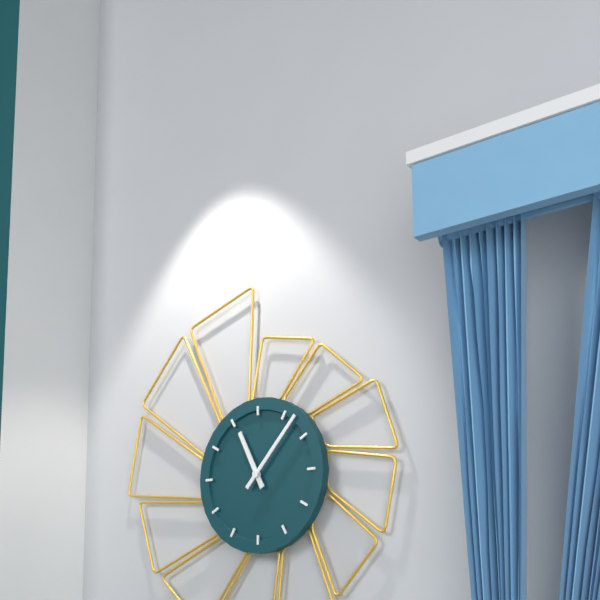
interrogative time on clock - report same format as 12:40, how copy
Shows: 11:07
